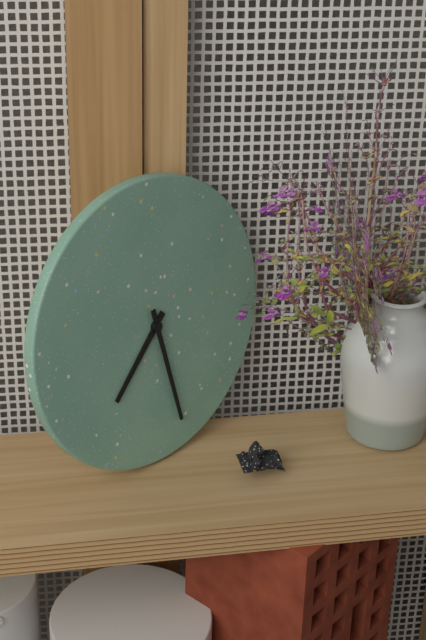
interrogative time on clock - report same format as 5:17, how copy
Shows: 7:28
